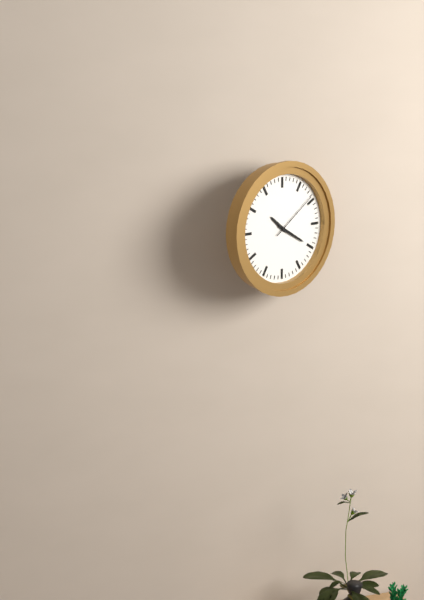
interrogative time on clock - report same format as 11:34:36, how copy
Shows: 10:20:09
